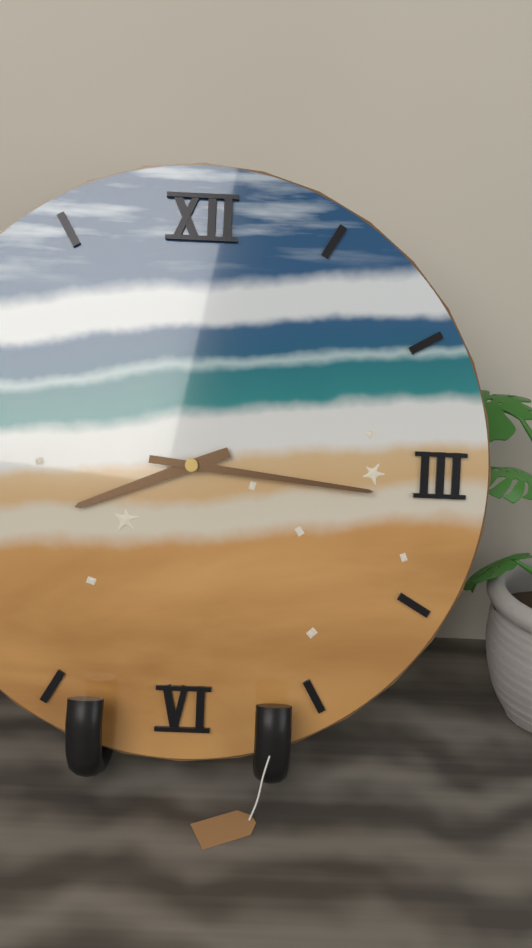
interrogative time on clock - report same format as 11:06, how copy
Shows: 8:16
